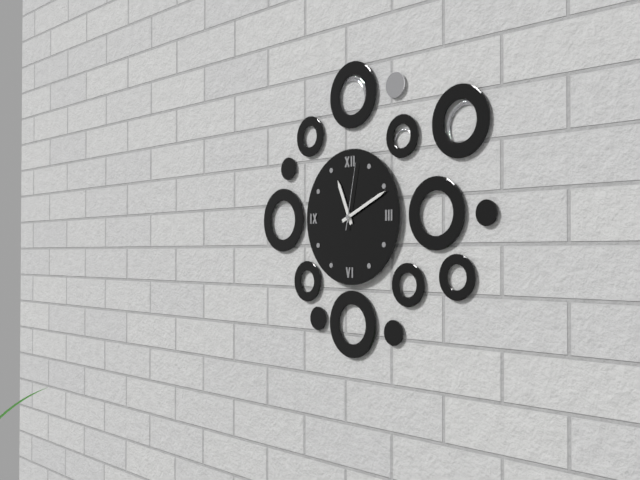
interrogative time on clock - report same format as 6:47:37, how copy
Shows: 11:11:02
